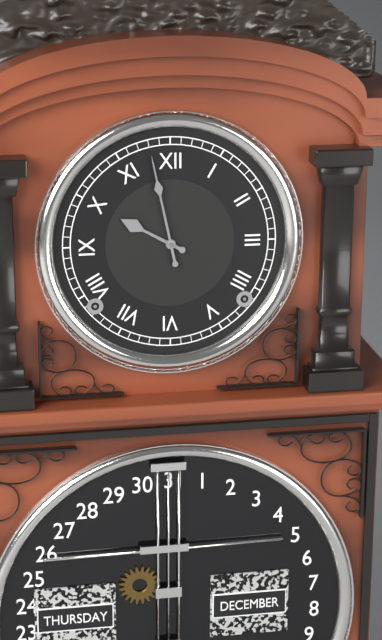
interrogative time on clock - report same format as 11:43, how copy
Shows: 9:58
